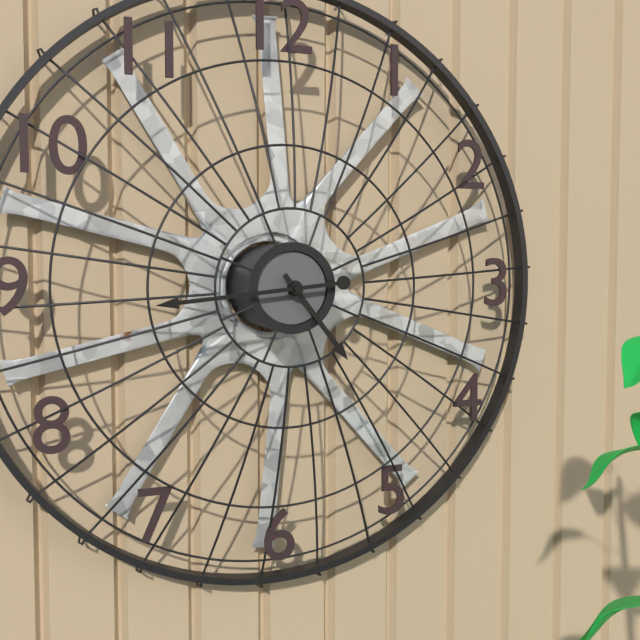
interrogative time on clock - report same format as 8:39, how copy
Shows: 4:44
